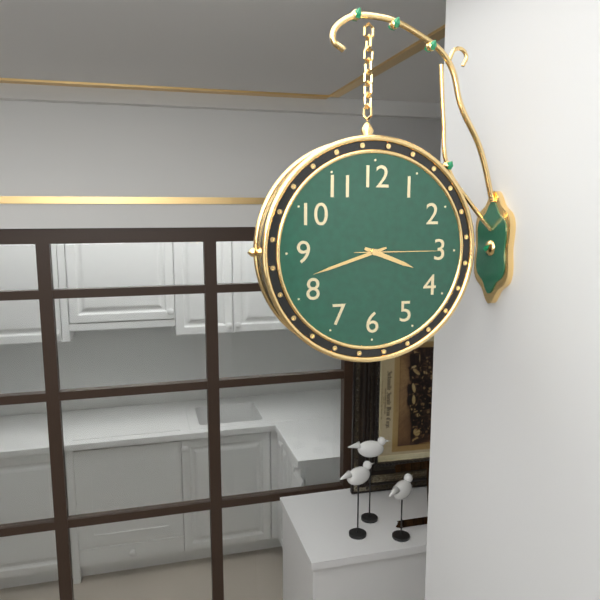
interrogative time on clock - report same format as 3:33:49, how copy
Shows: 3:42:15
